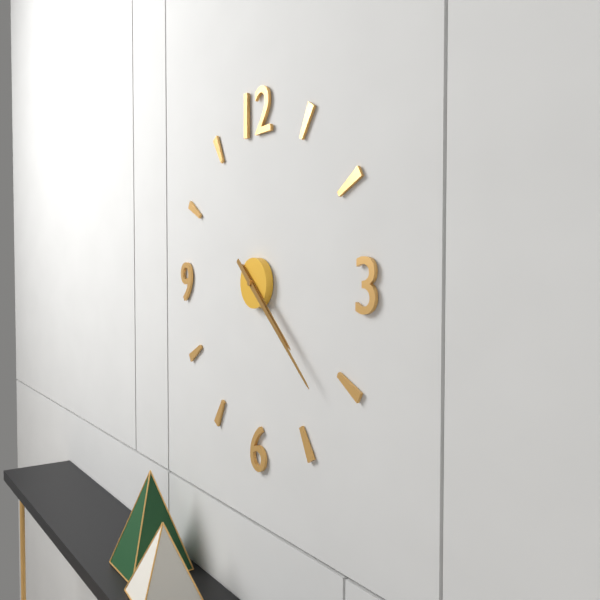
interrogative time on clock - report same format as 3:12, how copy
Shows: 4:22
